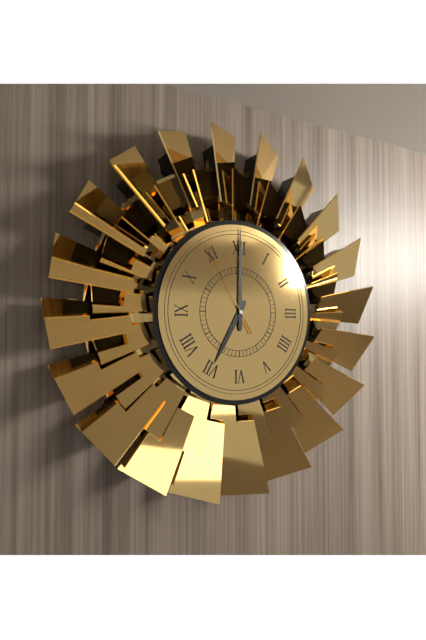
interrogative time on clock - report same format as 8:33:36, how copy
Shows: 7:00:55
